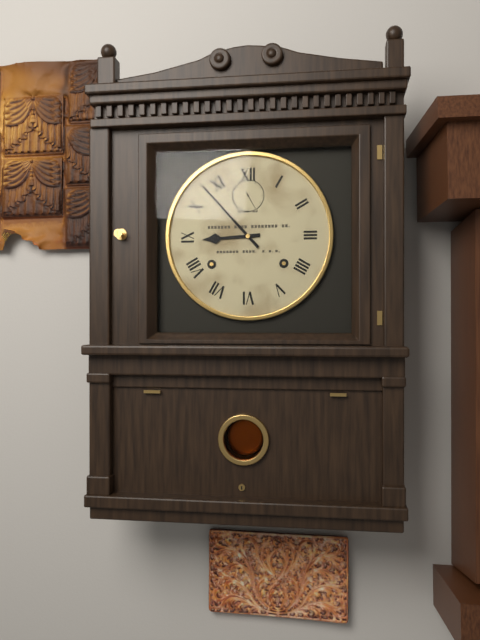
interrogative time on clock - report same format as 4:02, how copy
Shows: 8:53
